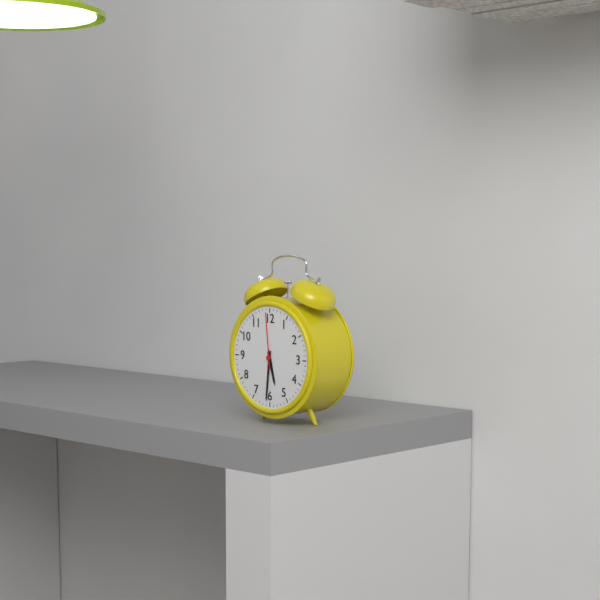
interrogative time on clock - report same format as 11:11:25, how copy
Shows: 5:31:59
